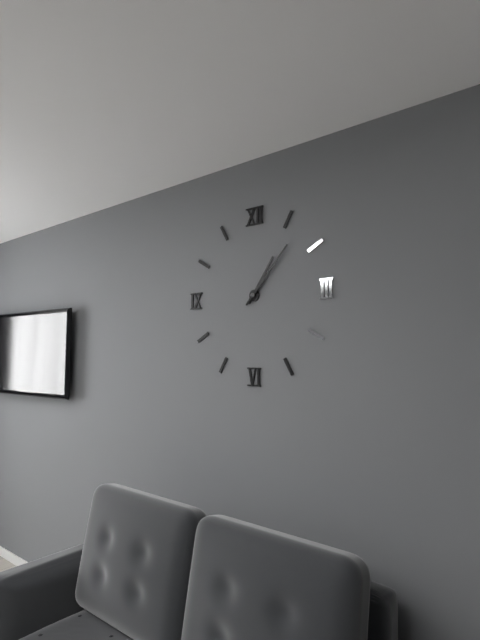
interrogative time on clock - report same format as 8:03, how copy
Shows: 1:07
